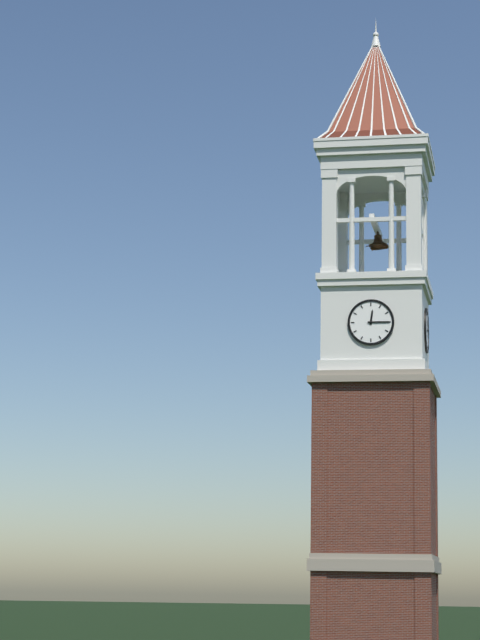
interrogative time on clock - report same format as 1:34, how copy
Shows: 12:15
